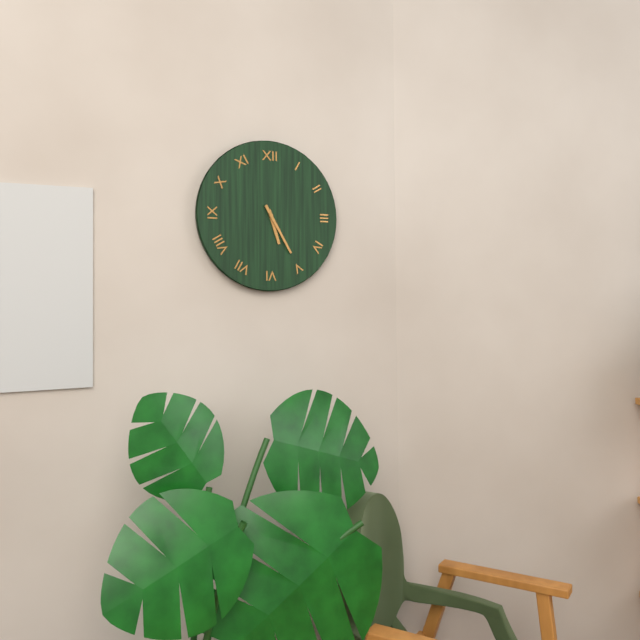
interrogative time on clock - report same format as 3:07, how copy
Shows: 5:25
